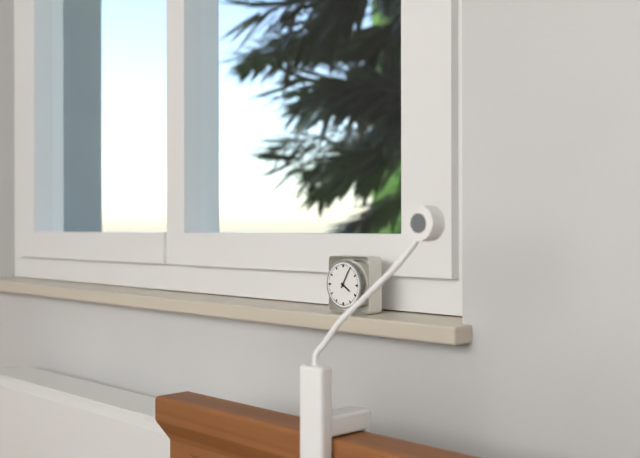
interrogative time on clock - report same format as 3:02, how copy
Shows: 4:05
